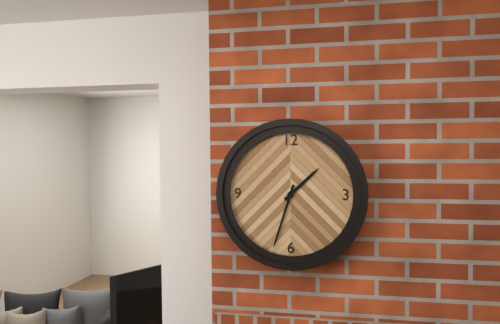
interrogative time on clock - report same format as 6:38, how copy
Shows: 1:33
